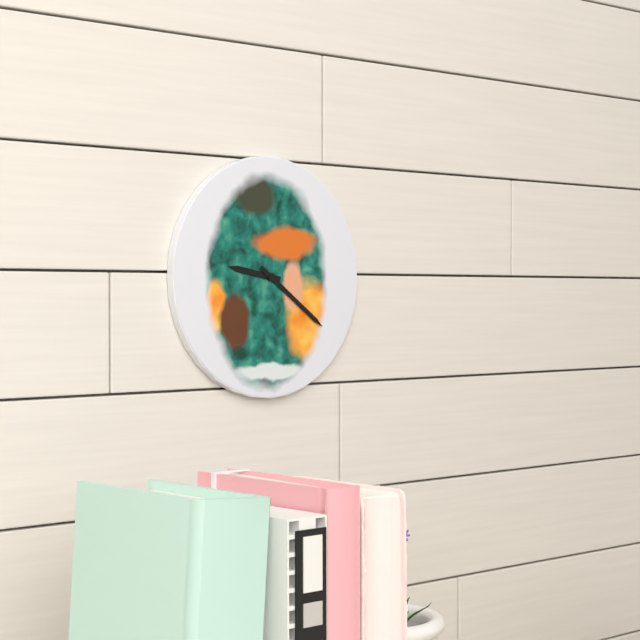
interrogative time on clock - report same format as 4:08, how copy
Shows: 9:21
